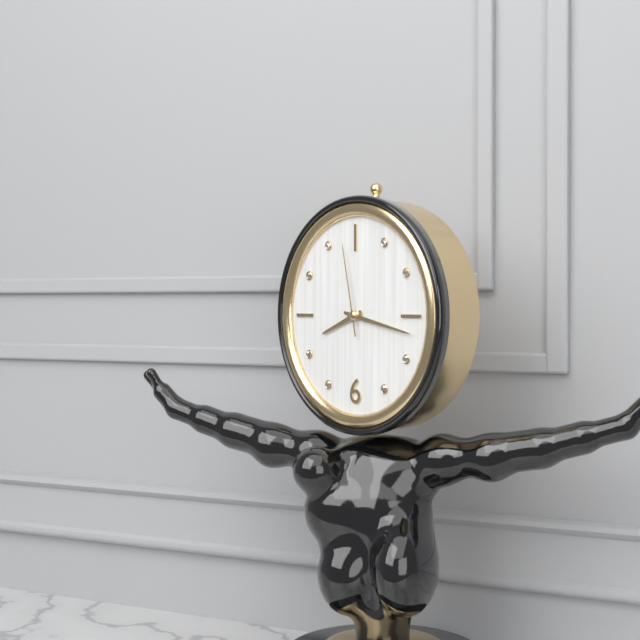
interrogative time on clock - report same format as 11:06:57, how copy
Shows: 8:17:58
